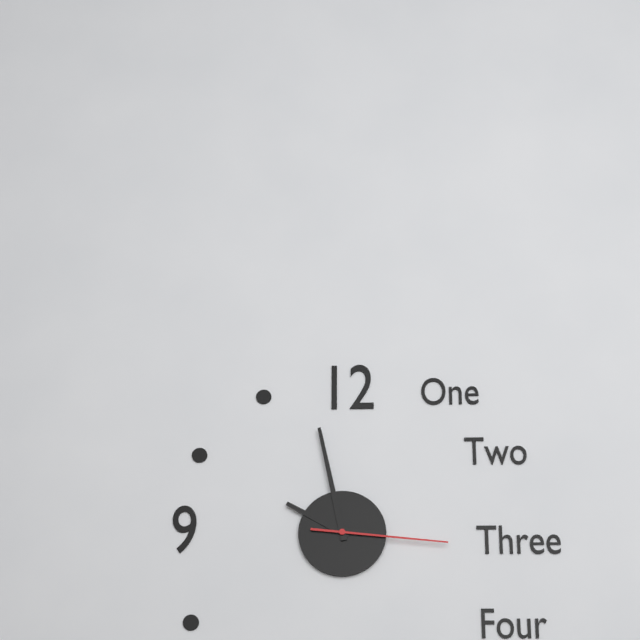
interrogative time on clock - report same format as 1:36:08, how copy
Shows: 9:58:16
